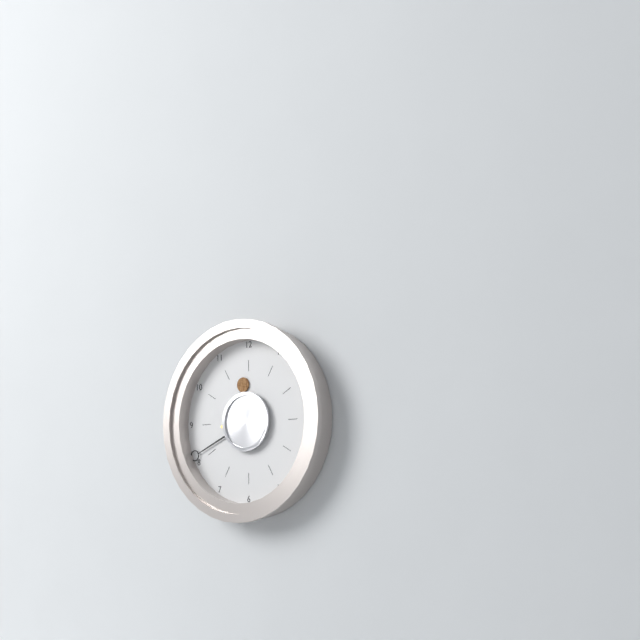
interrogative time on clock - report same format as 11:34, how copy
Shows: 11:41
